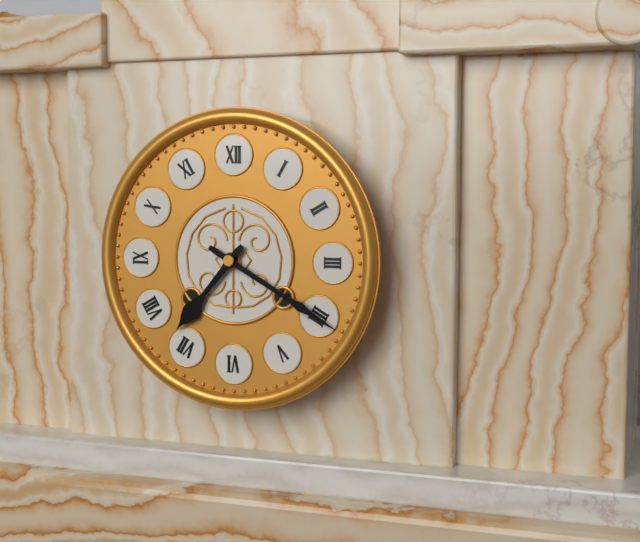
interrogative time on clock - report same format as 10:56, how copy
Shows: 7:20
